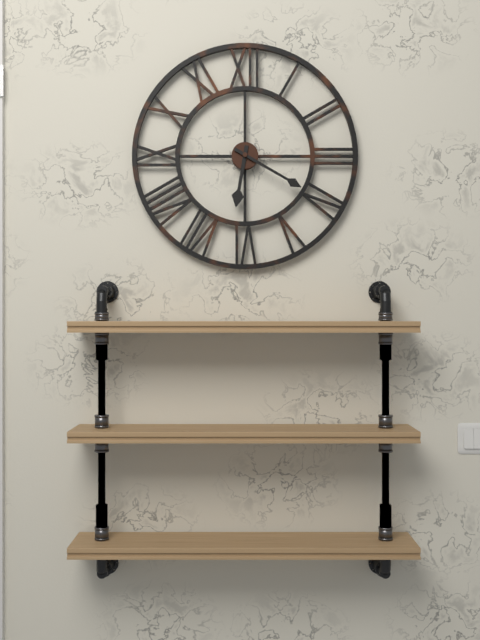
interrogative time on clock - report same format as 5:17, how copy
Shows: 6:20
